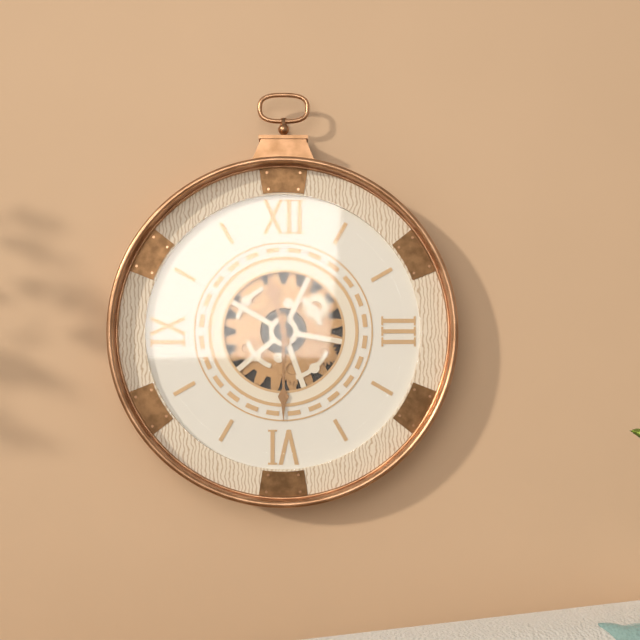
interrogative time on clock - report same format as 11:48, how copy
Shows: 11:30
